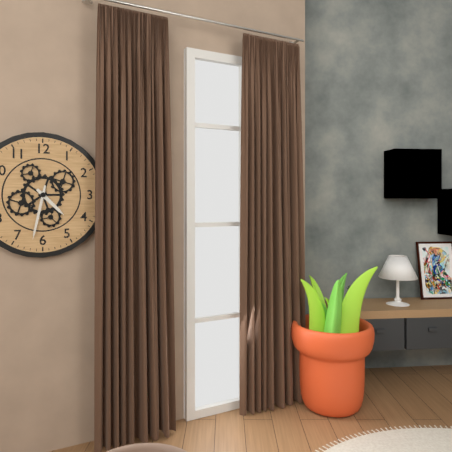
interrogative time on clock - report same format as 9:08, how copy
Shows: 4:32
